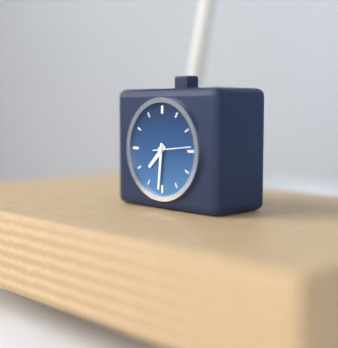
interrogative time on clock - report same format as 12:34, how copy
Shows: 7:31
